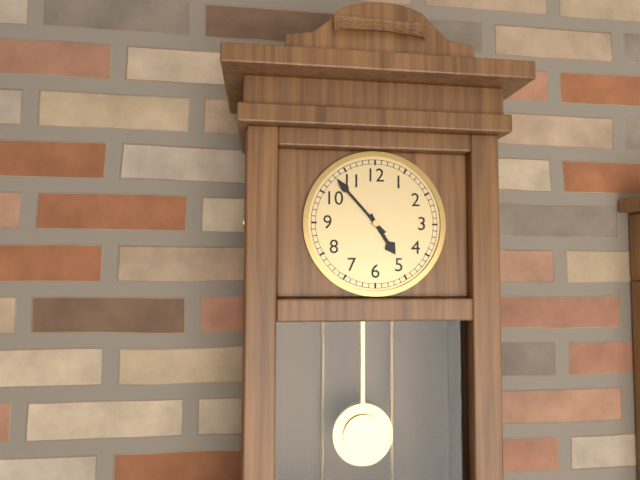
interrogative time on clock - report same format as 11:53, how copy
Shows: 4:53
